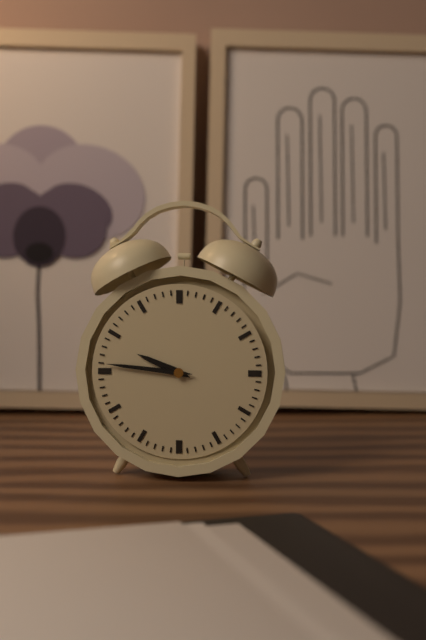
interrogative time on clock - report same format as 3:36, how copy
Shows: 9:46
